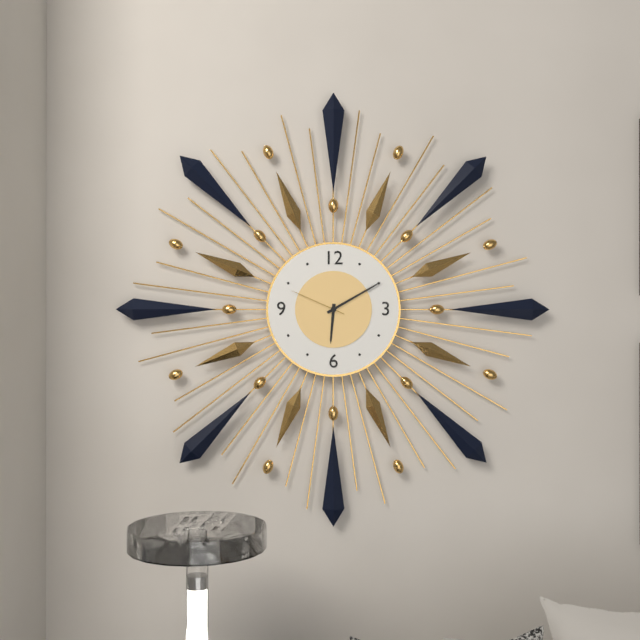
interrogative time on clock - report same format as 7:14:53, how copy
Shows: 6:10:49
